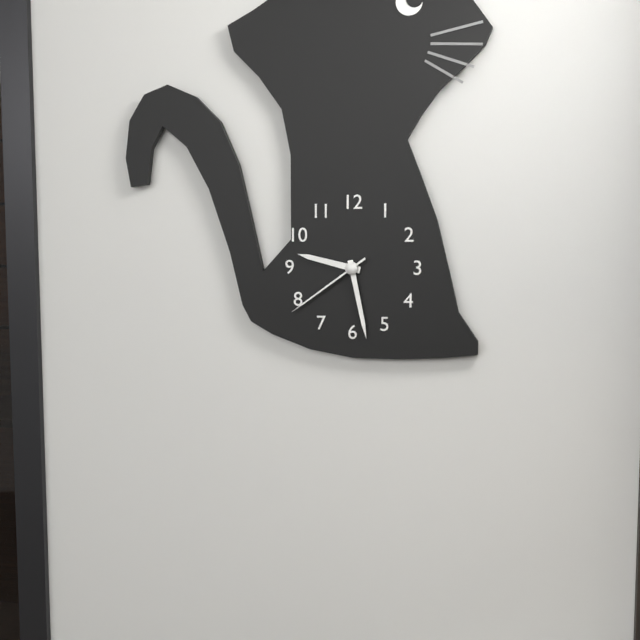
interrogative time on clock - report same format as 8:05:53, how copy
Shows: 9:28:39
